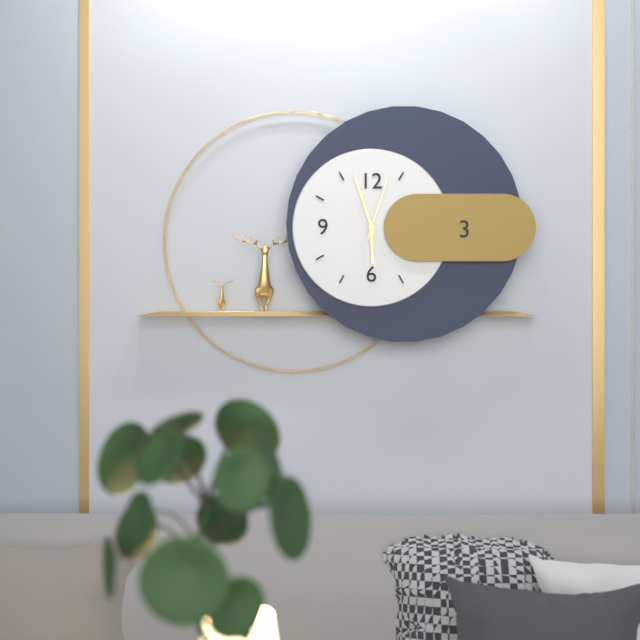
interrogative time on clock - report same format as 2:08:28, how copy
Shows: 5:57:03
